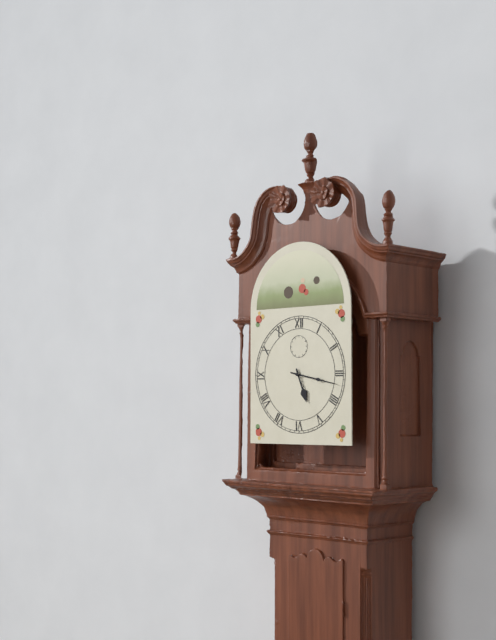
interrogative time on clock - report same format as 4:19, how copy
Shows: 5:17
